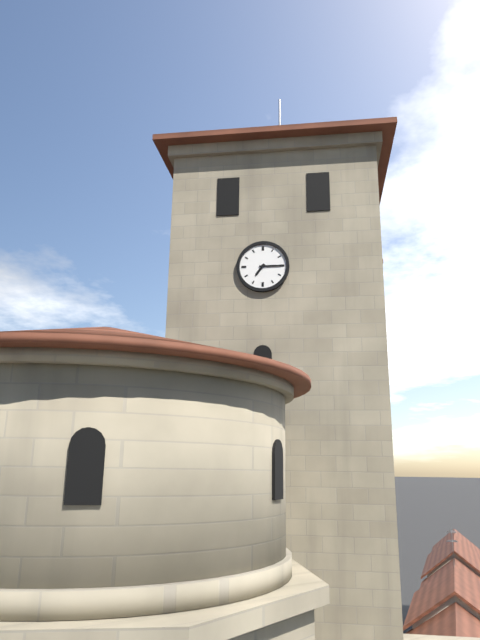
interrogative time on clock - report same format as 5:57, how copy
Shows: 7:15
